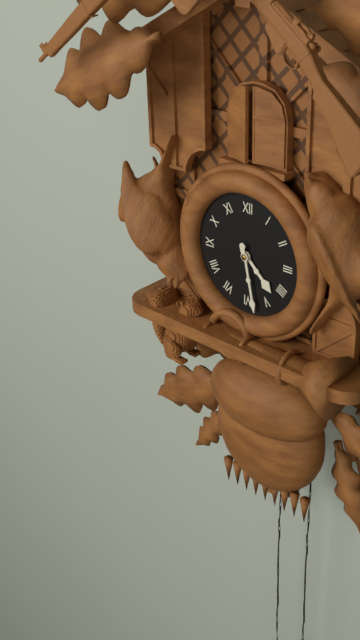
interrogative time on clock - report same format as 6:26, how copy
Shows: 4:28
